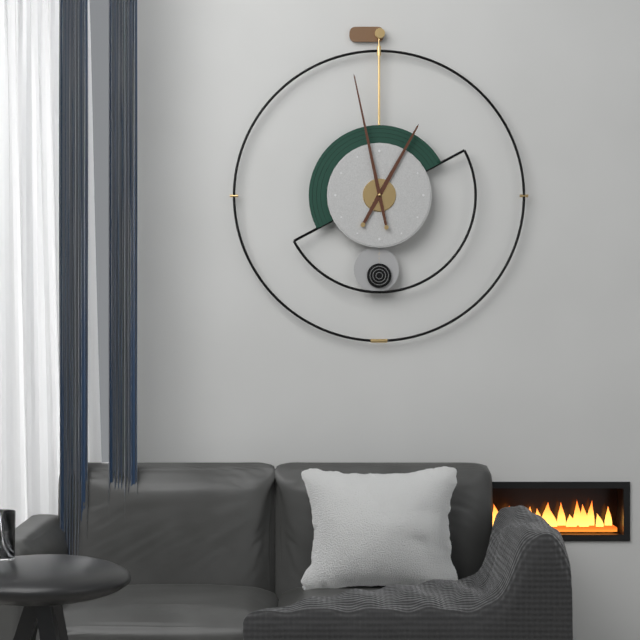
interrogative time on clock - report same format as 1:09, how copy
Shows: 12:58
